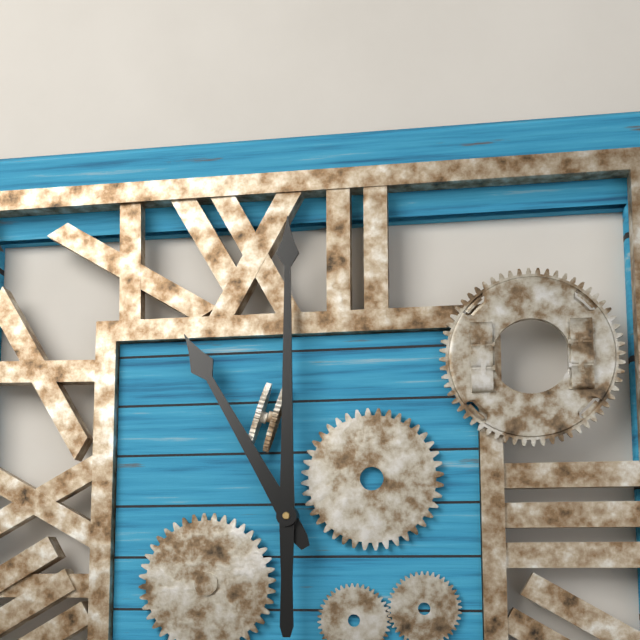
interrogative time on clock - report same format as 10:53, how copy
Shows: 11:00
